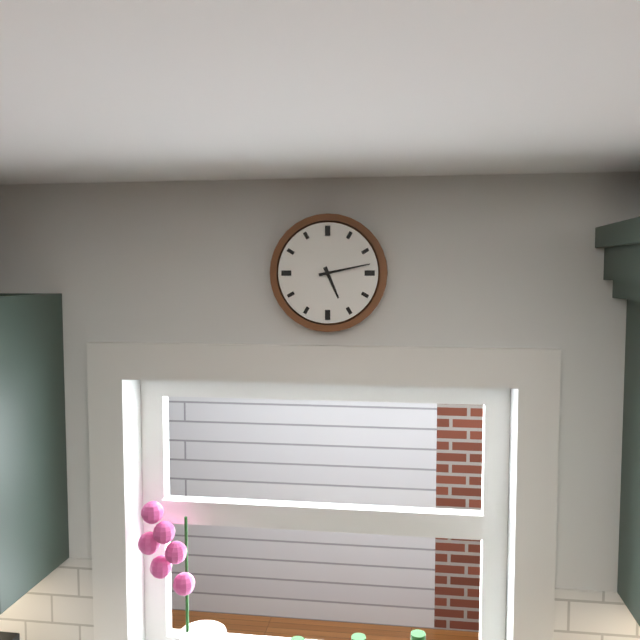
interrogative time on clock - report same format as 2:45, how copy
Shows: 5:13
